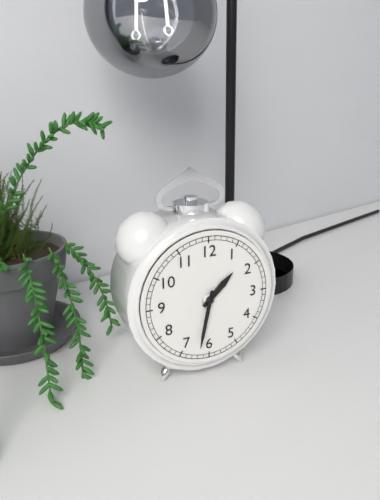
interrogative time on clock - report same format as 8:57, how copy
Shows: 1:32
